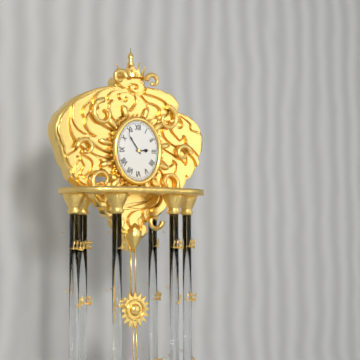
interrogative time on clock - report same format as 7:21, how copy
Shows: 2:54
